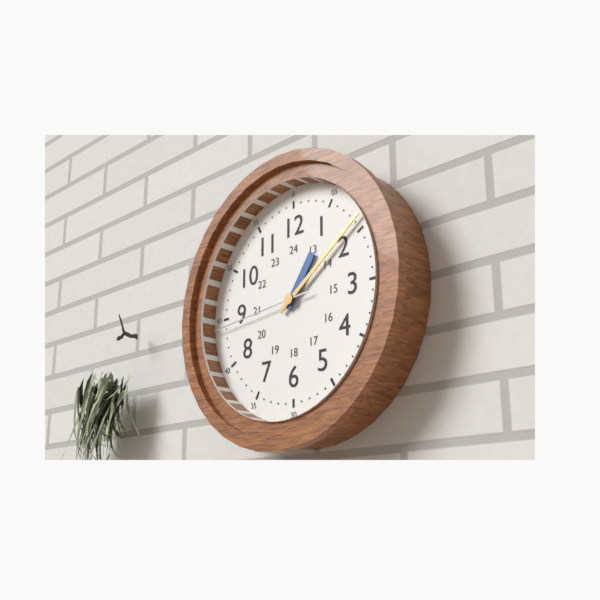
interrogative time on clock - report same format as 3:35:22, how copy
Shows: 1:09:44
